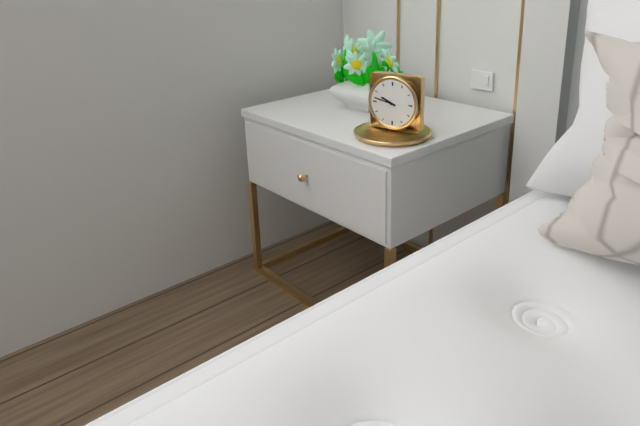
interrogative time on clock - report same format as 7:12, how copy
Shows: 9:47
